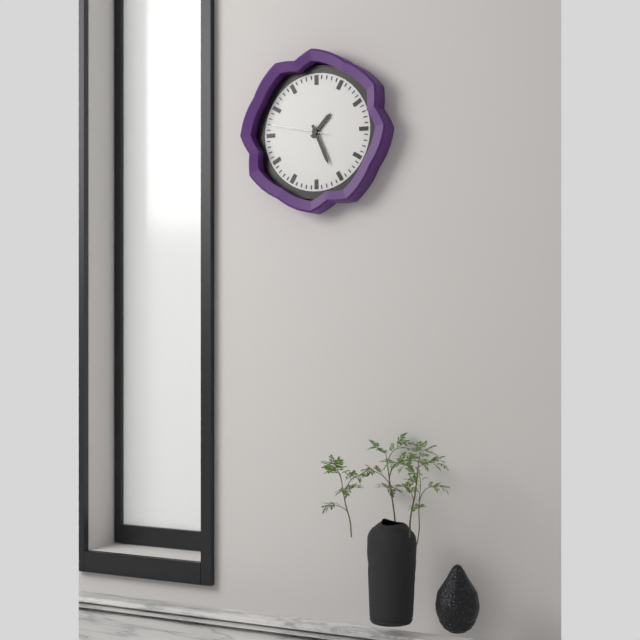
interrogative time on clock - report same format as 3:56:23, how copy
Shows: 1:26:47
